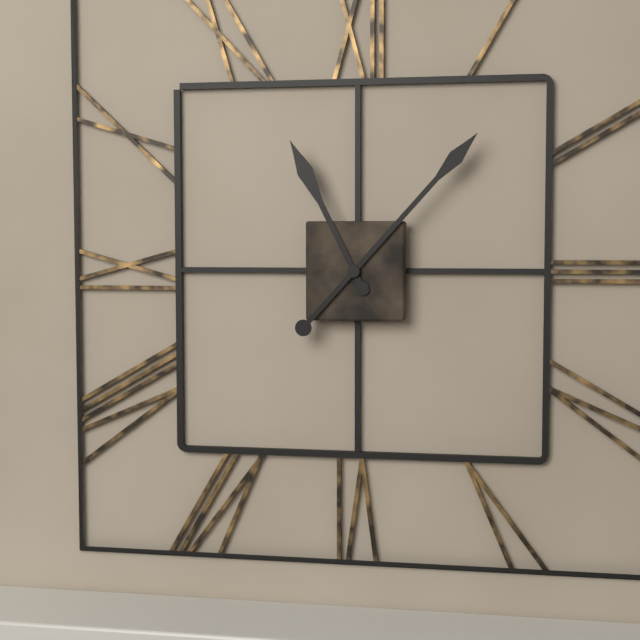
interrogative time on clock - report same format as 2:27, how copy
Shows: 11:07
